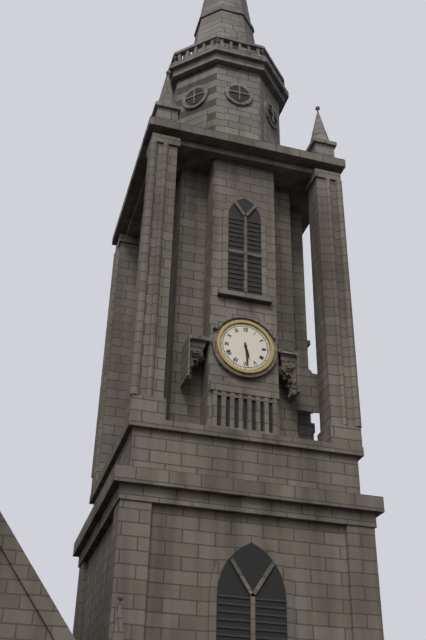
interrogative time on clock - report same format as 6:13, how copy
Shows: 5:29
